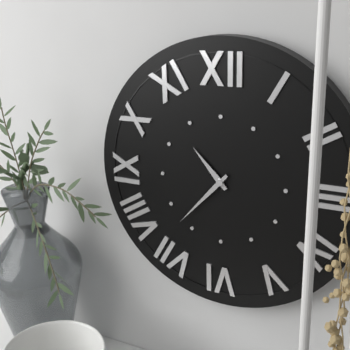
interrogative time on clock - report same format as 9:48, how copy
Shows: 10:37
